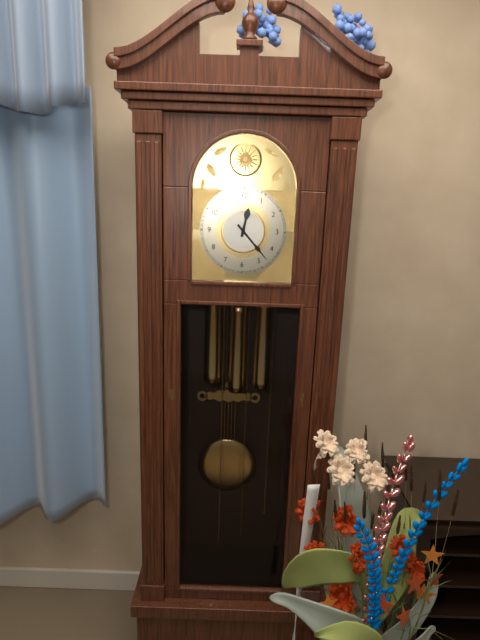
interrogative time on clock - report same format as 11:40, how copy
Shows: 12:23
